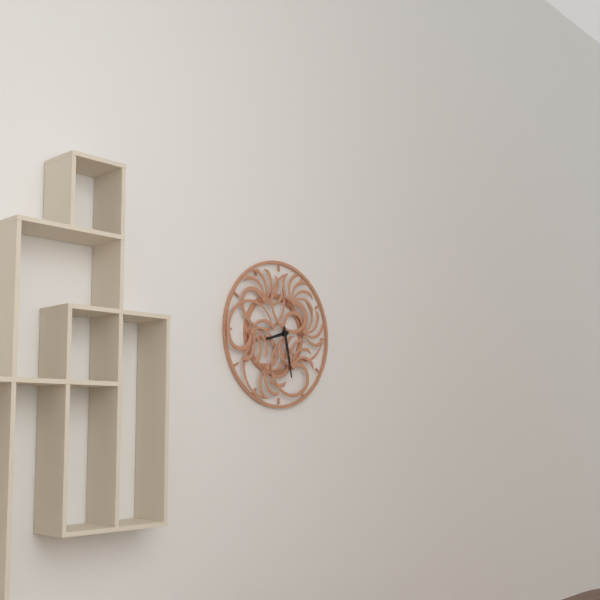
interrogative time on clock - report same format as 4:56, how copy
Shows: 8:28
